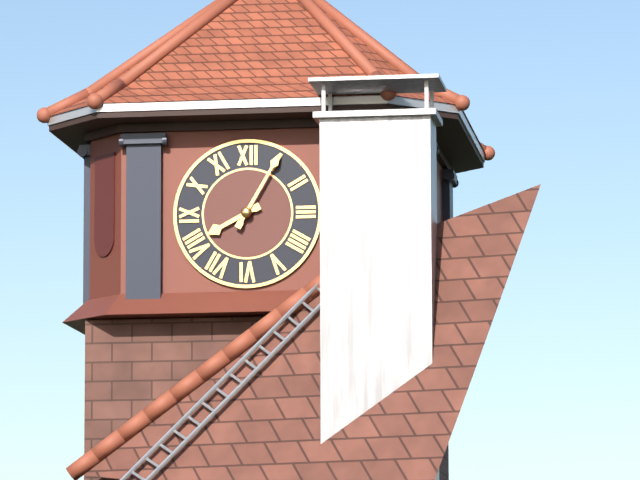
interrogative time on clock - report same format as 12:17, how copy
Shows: 8:05
